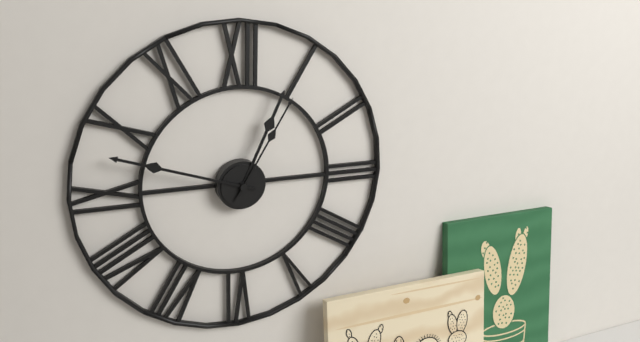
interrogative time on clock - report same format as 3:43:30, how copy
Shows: 12:48:05
